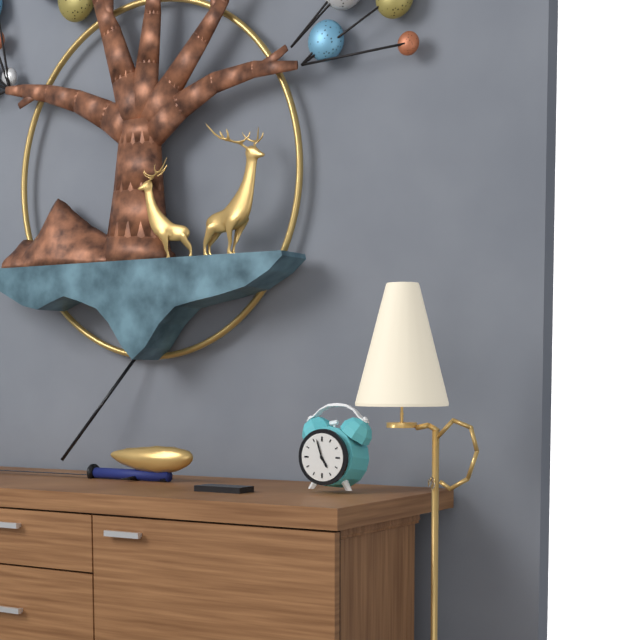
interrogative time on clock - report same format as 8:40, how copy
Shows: 4:57
